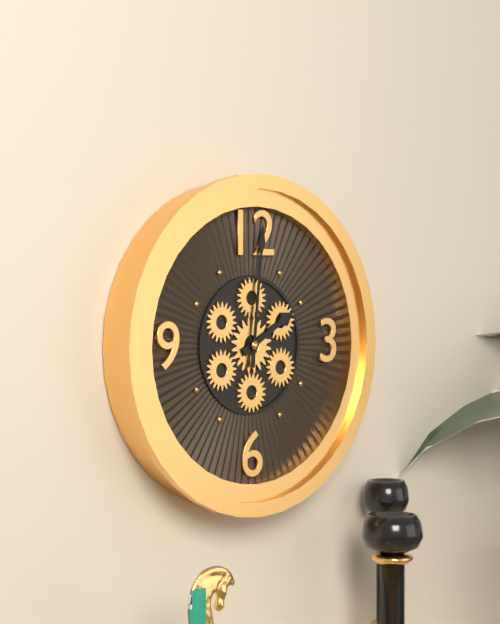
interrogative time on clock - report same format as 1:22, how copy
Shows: 2:01
